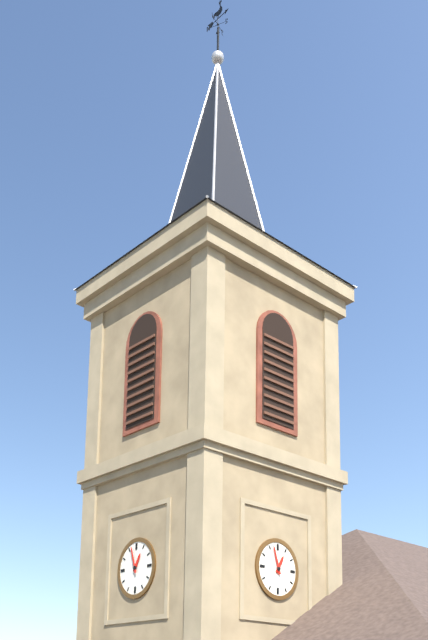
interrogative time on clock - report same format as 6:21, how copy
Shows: 12:57
